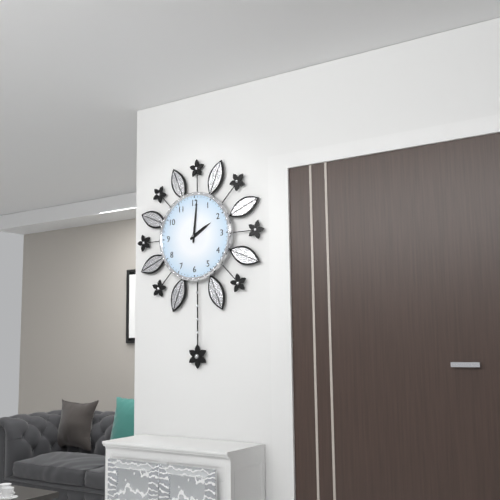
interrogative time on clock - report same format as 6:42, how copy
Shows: 2:01
